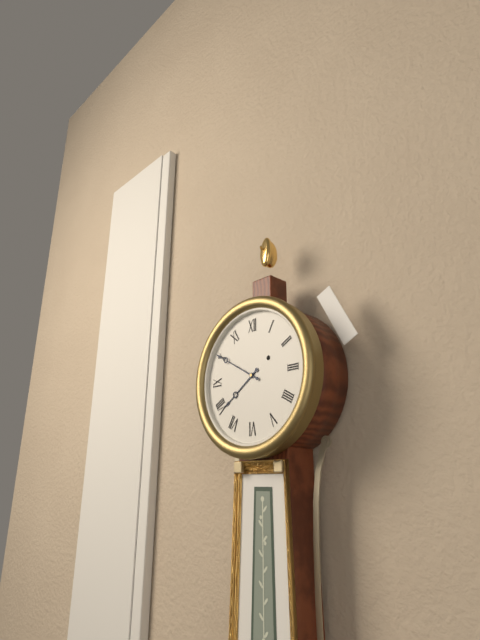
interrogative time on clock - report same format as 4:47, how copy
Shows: 7:50
